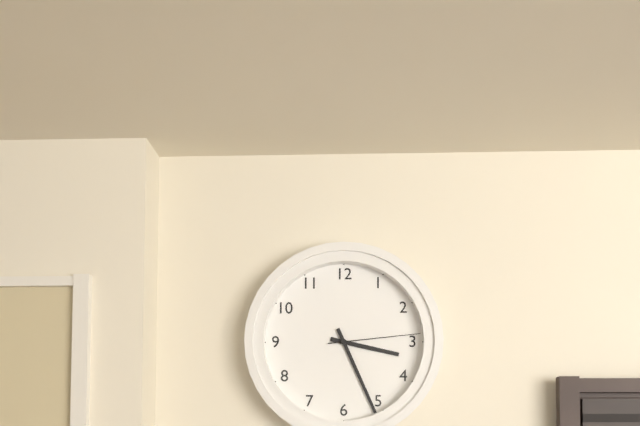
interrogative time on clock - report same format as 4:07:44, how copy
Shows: 3:26:14
